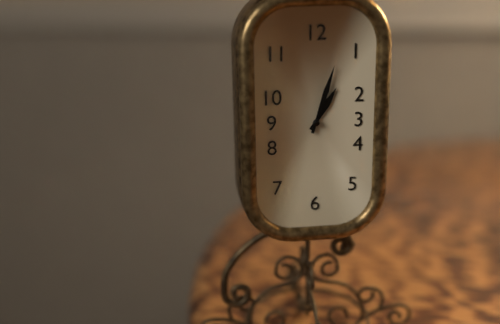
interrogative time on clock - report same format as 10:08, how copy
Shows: 1:03
